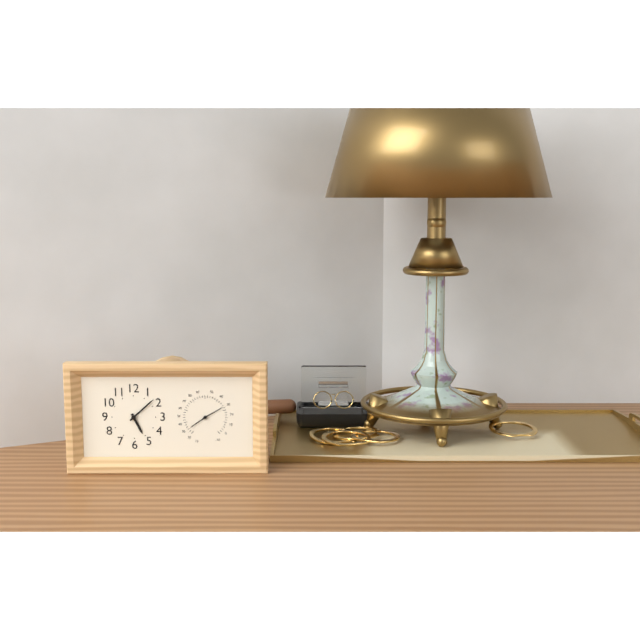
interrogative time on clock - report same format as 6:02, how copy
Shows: 5:08
